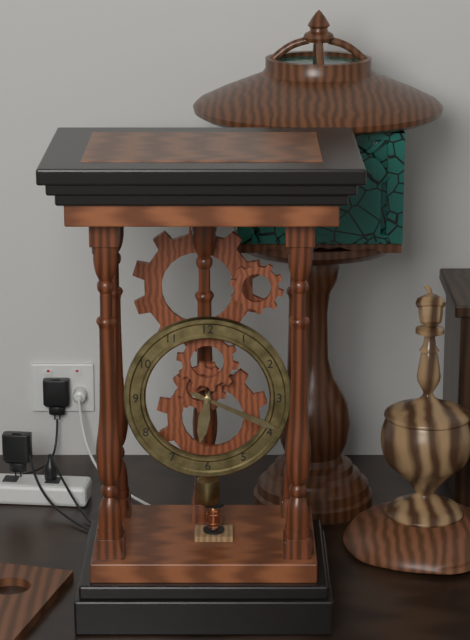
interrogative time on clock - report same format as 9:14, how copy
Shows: 6:19
